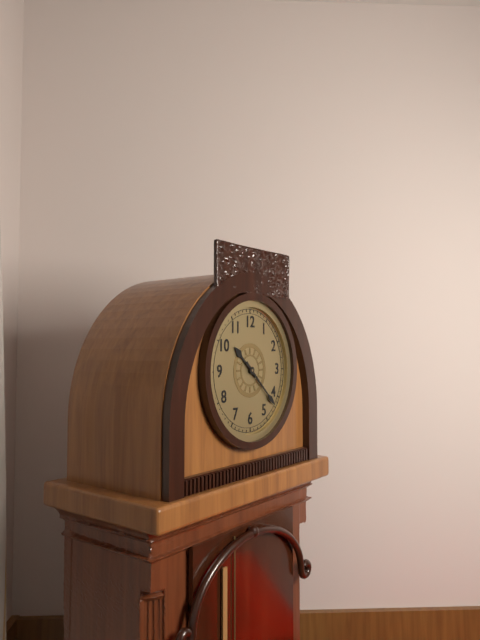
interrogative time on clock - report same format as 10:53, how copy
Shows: 10:22
